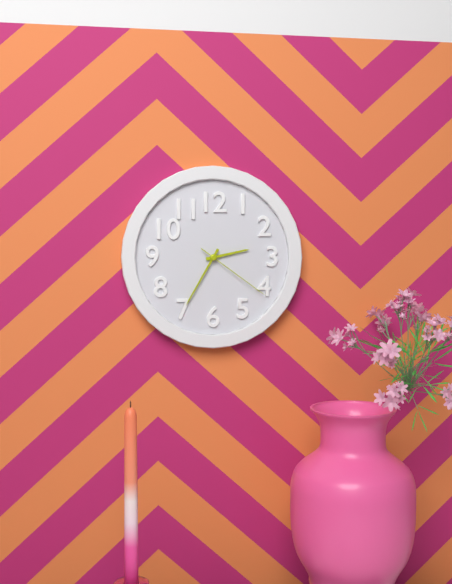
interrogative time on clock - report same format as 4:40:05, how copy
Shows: 2:35:21
